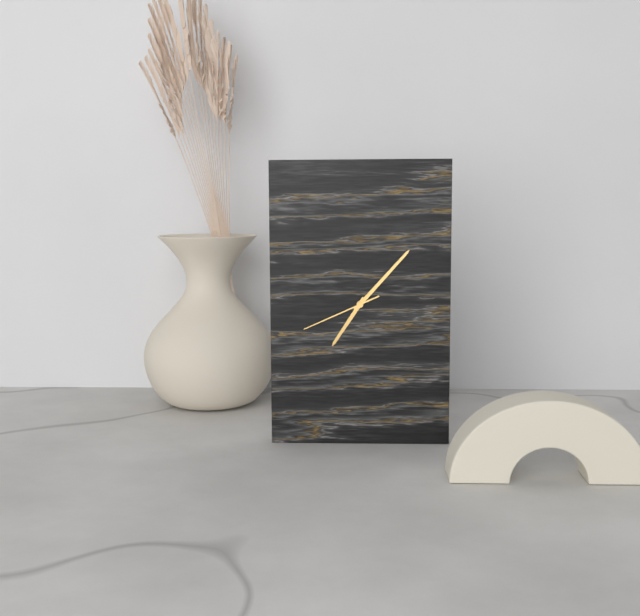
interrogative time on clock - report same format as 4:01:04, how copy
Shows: 7:07:41
